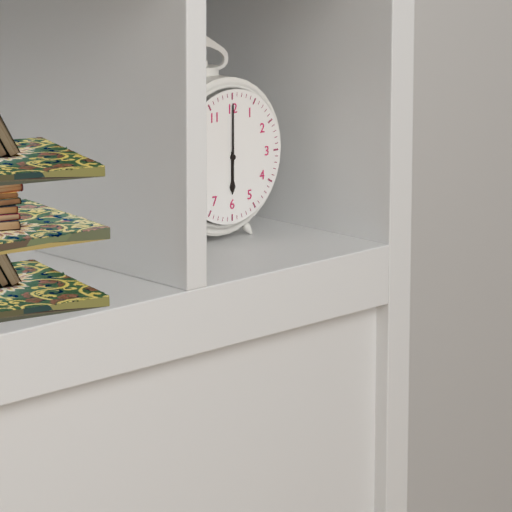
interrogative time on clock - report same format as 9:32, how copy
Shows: 6:00
